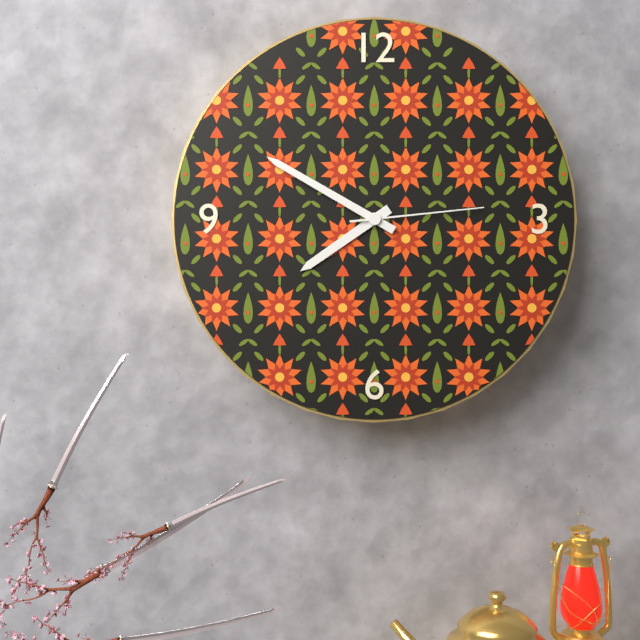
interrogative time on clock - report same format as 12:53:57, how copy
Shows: 7:50:14
